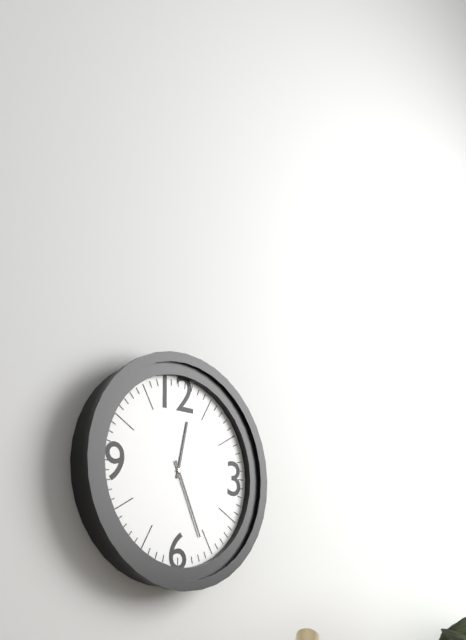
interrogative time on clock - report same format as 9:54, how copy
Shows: 12:26
